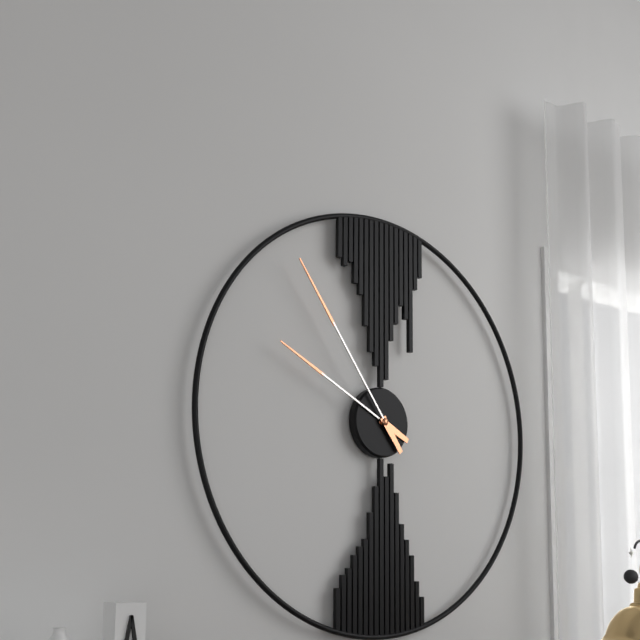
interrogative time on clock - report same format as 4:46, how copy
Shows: 9:54
